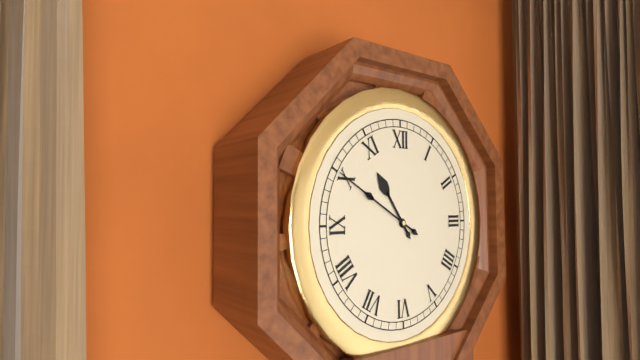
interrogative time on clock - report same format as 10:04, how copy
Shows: 10:50
